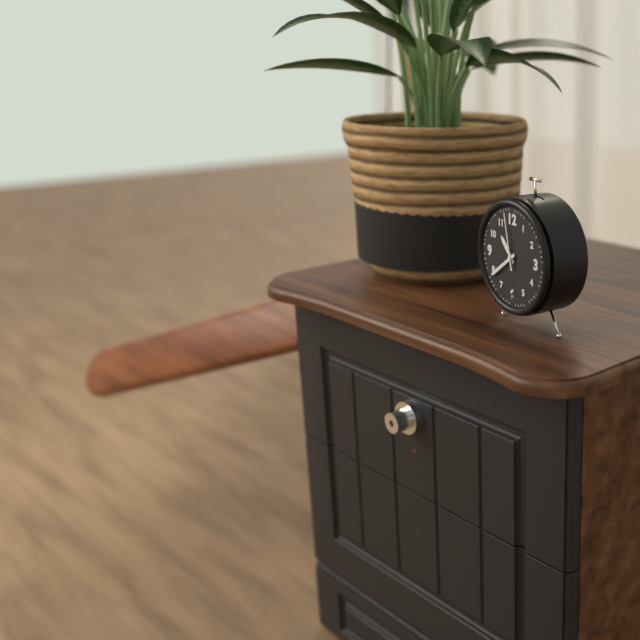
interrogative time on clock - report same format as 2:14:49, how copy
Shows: 10:39:58
